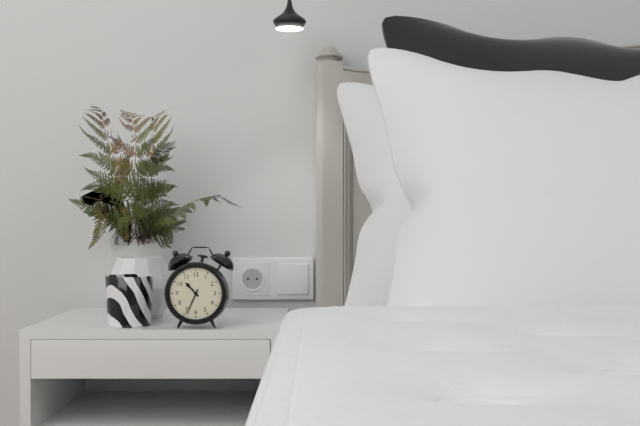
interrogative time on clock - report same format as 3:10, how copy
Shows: 10:34
